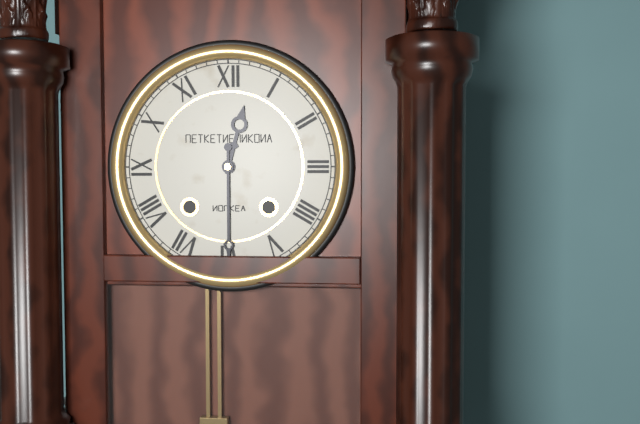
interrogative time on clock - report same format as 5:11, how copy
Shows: 12:30
